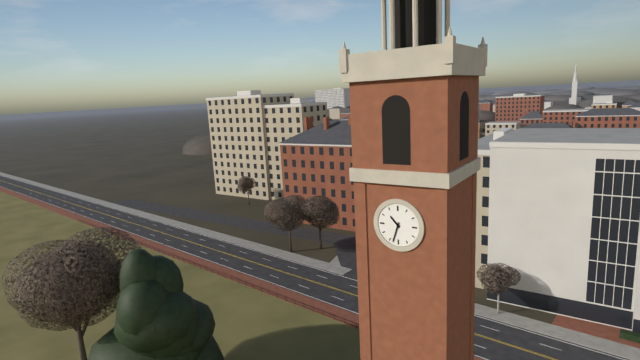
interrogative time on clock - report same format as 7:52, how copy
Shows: 10:33
